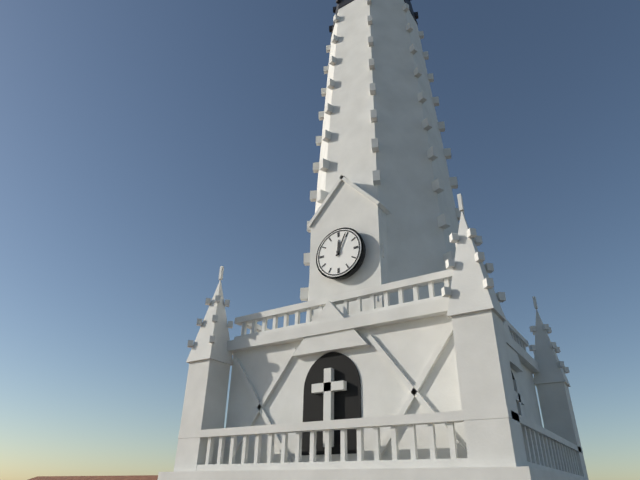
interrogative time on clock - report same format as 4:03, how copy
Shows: 12:04
